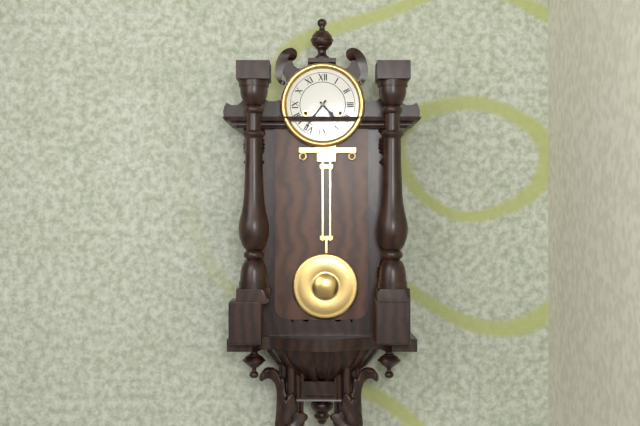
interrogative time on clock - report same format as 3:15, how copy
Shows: 4:36
